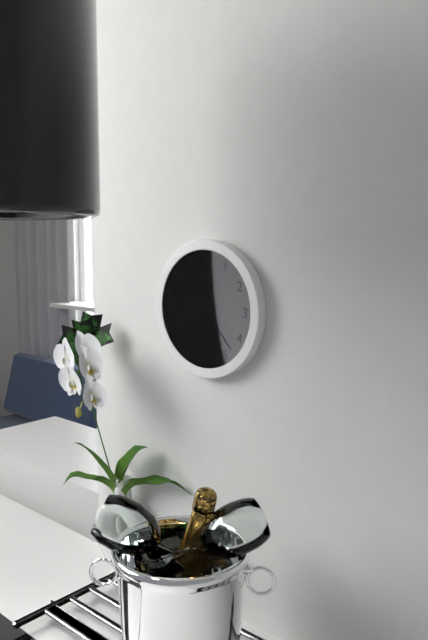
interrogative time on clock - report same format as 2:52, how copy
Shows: 7:23
